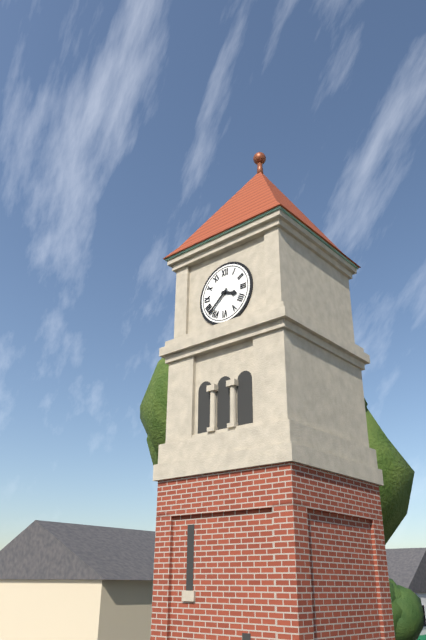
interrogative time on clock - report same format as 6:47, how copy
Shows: 3:38
